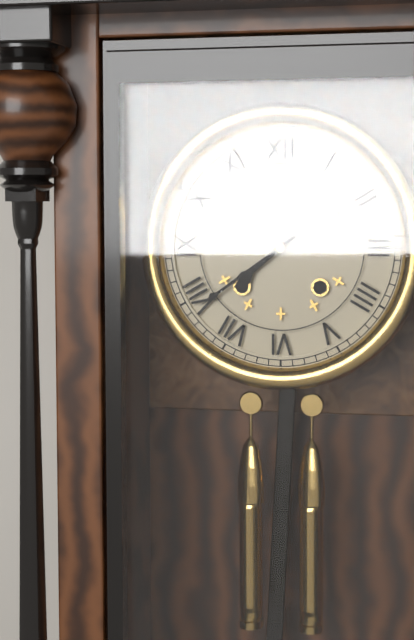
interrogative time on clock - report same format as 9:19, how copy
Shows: 7:39
